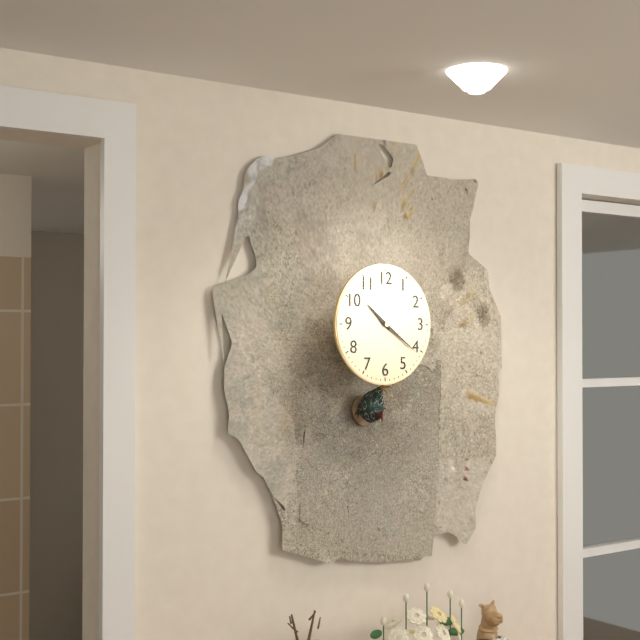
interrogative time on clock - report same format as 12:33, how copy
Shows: 10:21
